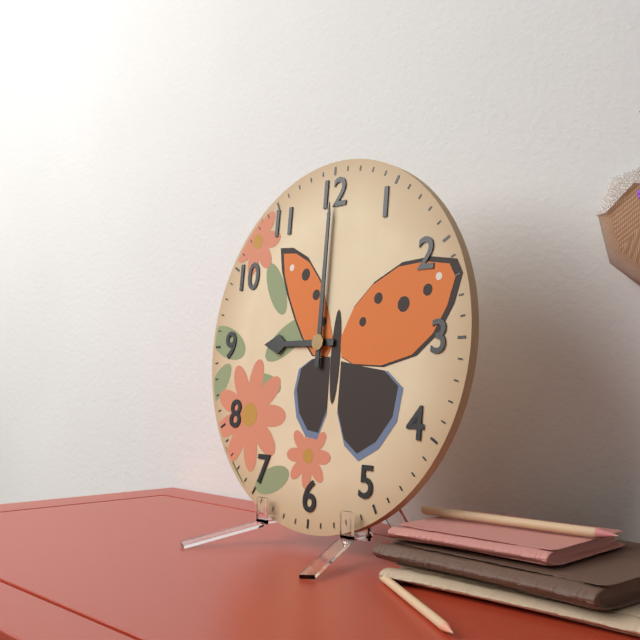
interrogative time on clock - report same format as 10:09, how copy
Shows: 9:00
